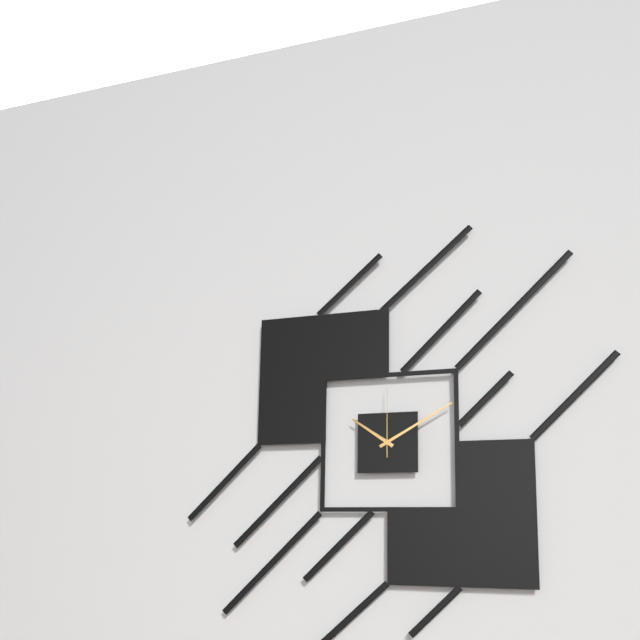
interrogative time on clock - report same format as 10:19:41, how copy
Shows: 10:10:00
